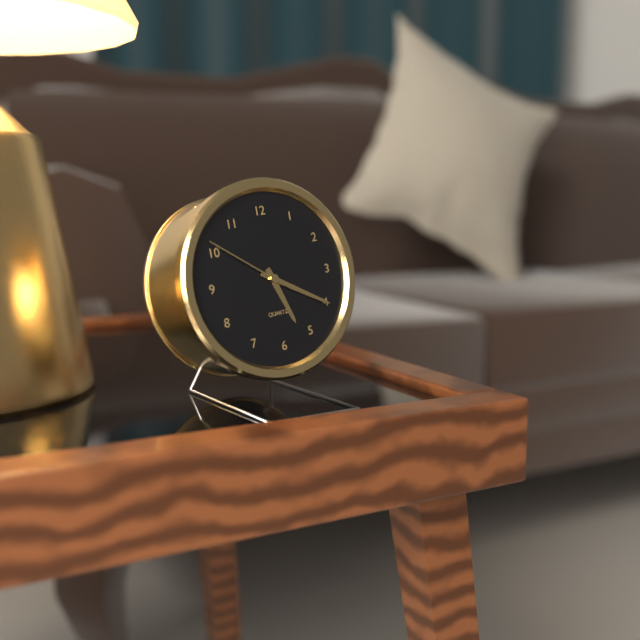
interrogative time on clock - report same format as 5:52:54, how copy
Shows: 5:20:51
